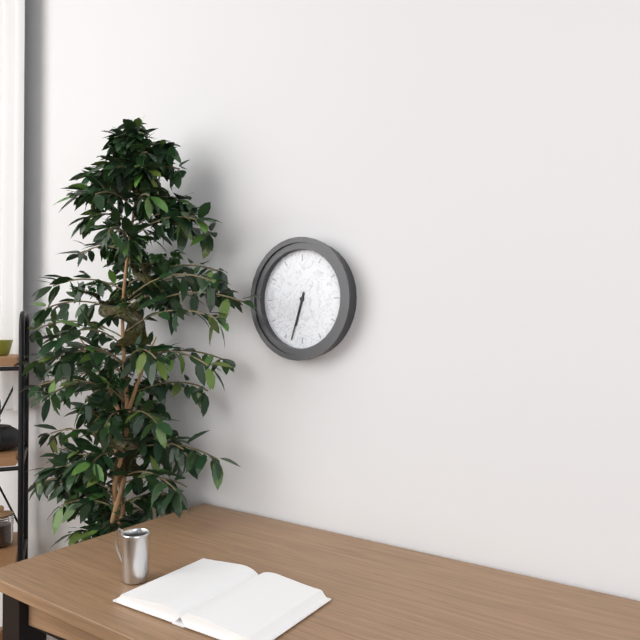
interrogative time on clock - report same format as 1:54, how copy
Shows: 6:33
